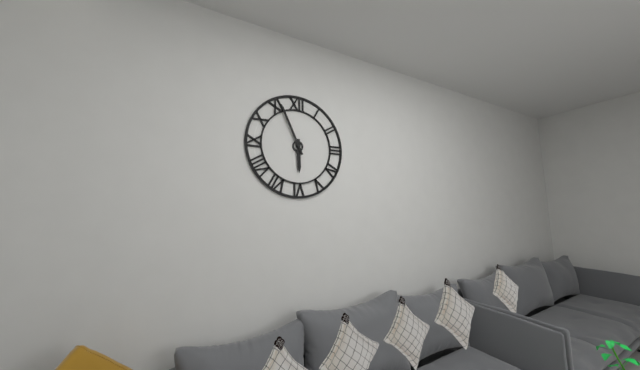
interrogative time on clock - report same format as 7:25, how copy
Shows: 5:56
